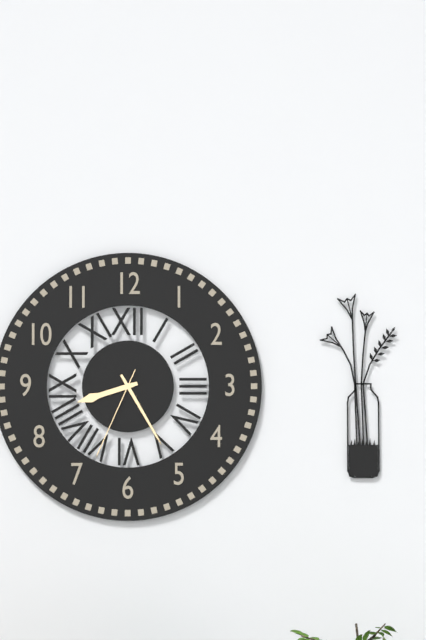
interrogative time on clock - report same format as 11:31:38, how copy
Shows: 8:25:34
